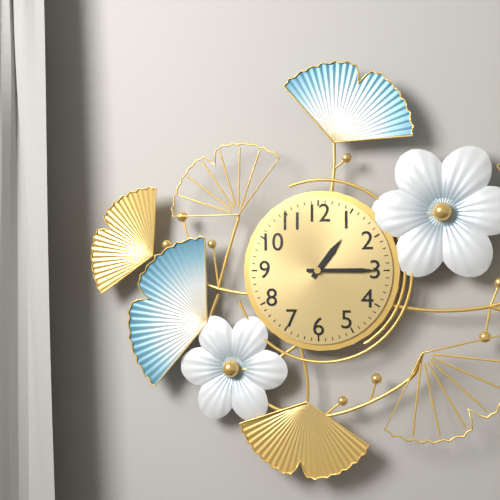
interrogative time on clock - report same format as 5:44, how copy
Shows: 1:15
